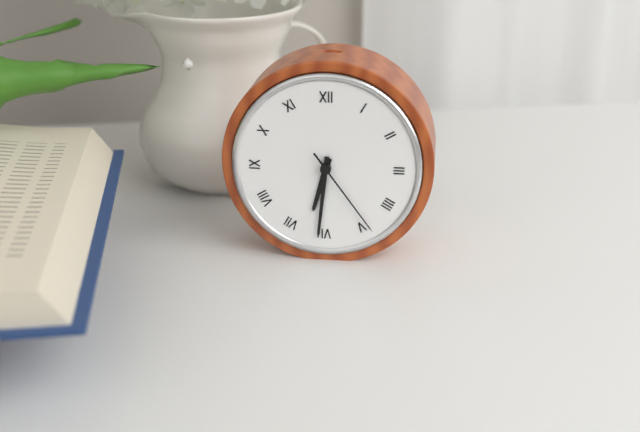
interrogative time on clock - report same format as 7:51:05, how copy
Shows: 6:31:24
